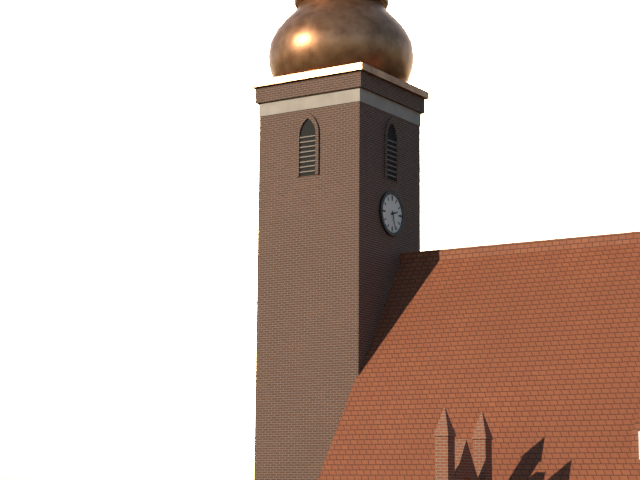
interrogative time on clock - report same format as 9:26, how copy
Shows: 2:27
